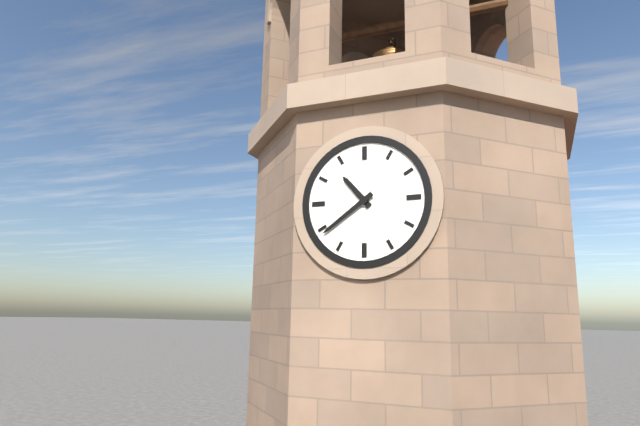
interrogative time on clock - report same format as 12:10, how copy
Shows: 10:39
